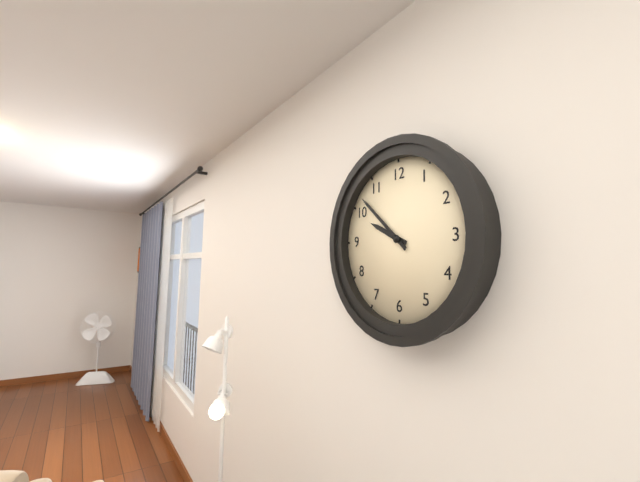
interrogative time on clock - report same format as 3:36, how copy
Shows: 9:52
